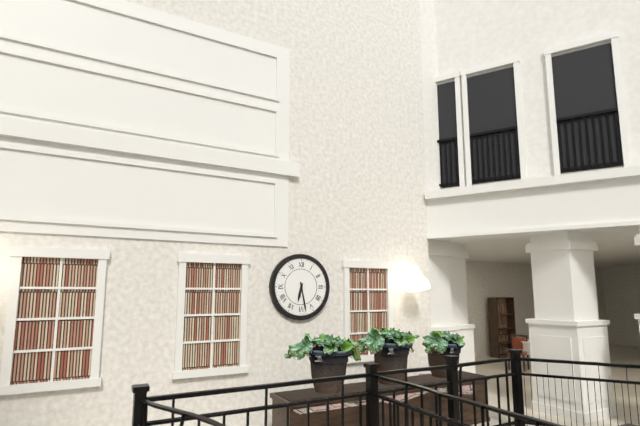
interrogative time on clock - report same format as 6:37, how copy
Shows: 6:28
